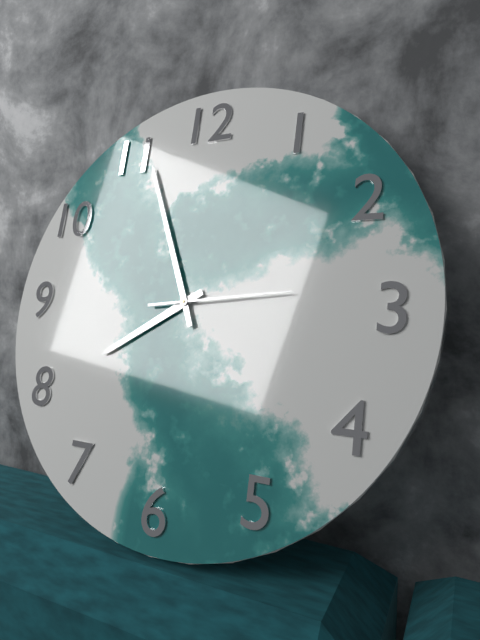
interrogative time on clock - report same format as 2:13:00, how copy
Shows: 7:56:14
